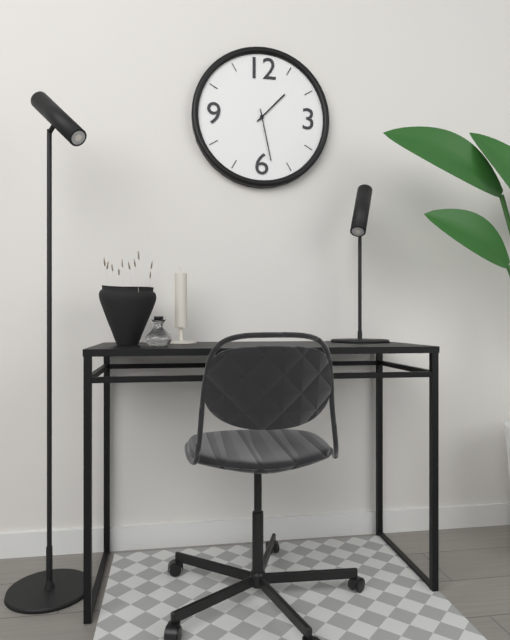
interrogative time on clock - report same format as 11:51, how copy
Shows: 1:28
